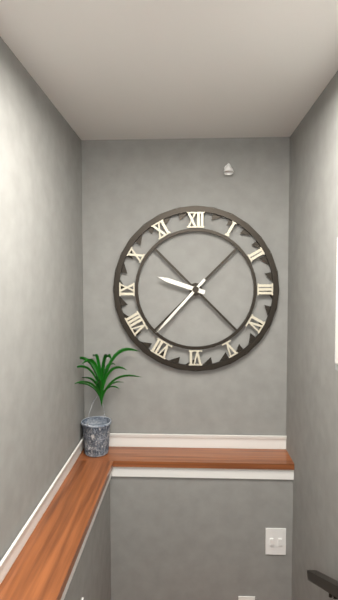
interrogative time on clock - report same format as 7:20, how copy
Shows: 9:37
